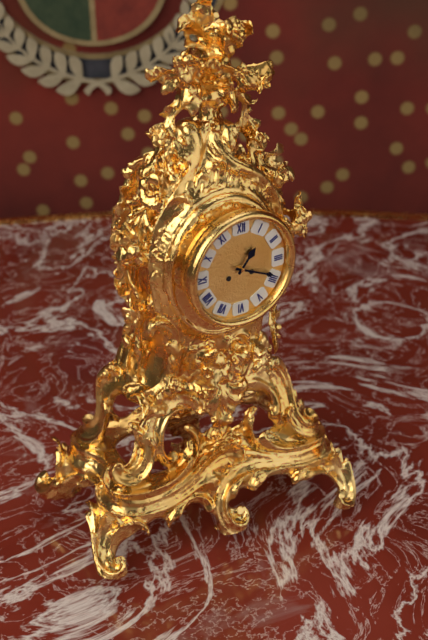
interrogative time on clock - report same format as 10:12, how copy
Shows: 1:19
